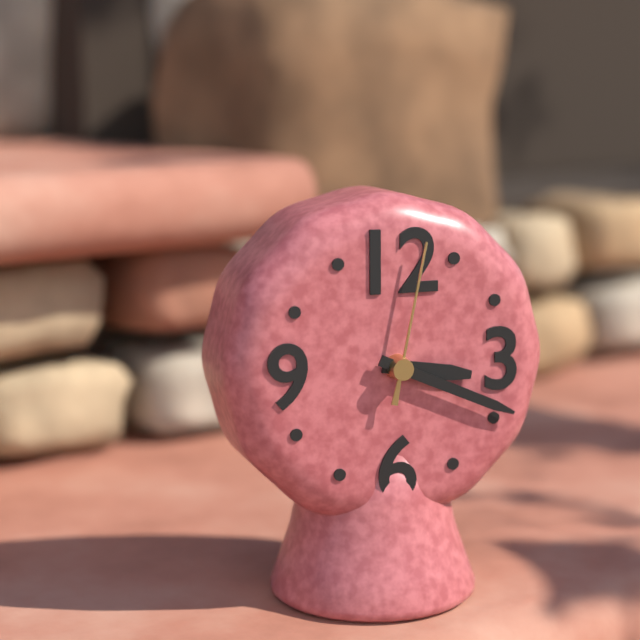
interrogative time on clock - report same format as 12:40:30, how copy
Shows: 3:19:02
